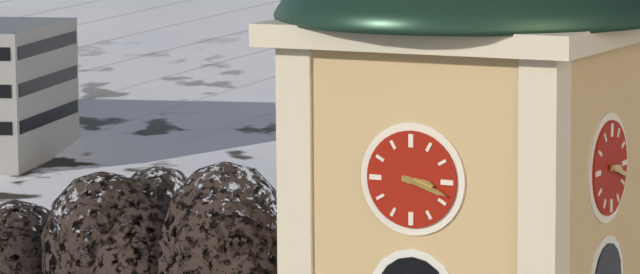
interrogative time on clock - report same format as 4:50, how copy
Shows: 3:18
